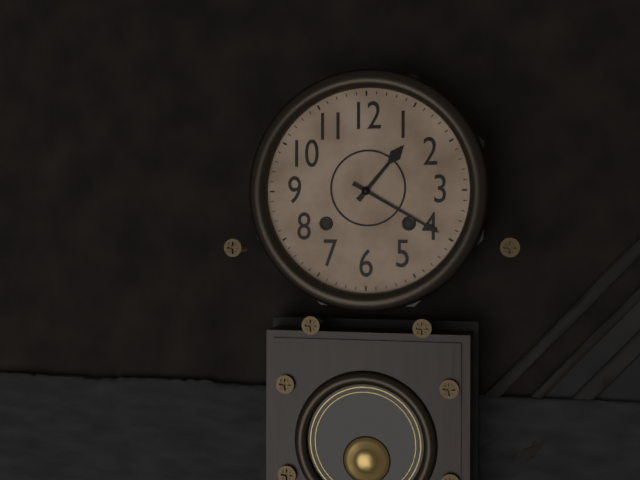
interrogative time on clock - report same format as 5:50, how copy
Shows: 1:20
